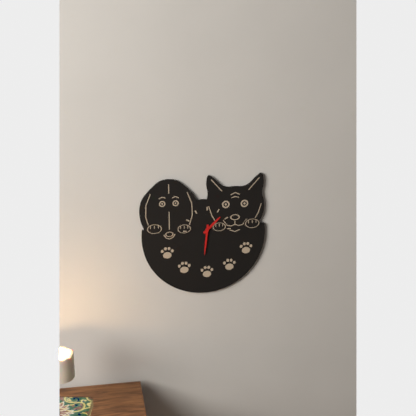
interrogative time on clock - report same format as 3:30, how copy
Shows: 1:31
